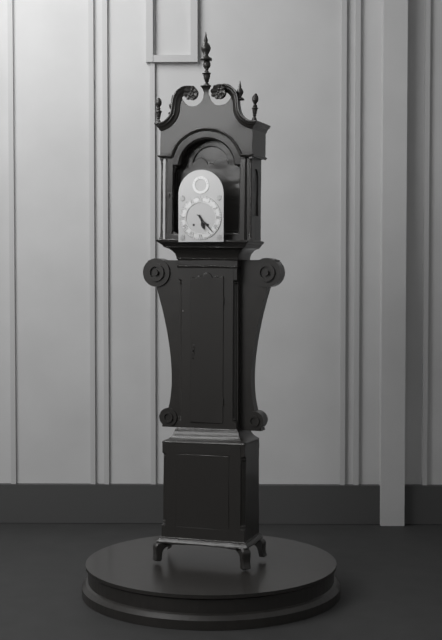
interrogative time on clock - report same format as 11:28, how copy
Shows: 5:23
